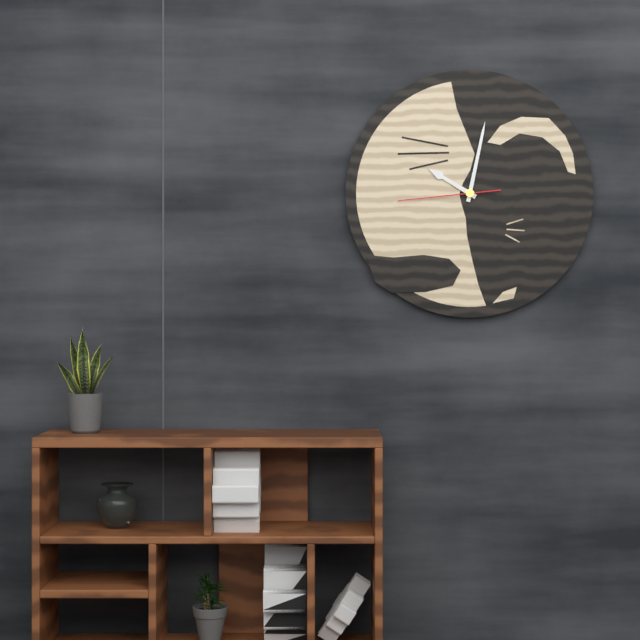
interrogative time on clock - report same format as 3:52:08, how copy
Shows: 10:02:44
